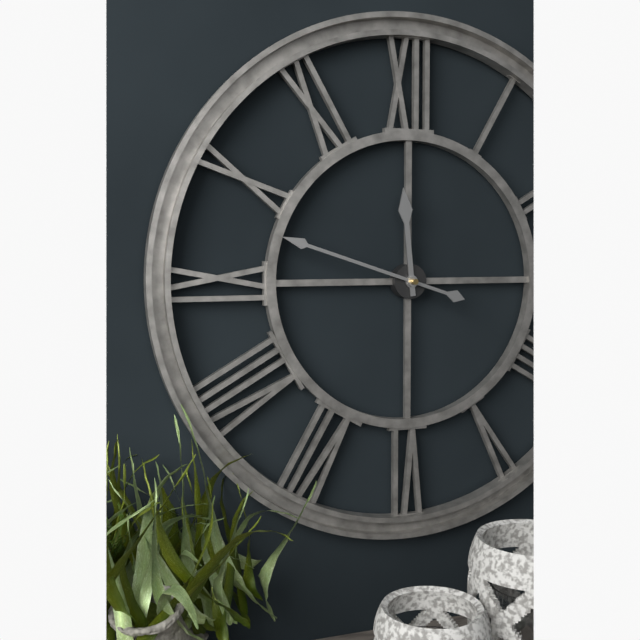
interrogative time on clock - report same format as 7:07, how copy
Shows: 11:48
